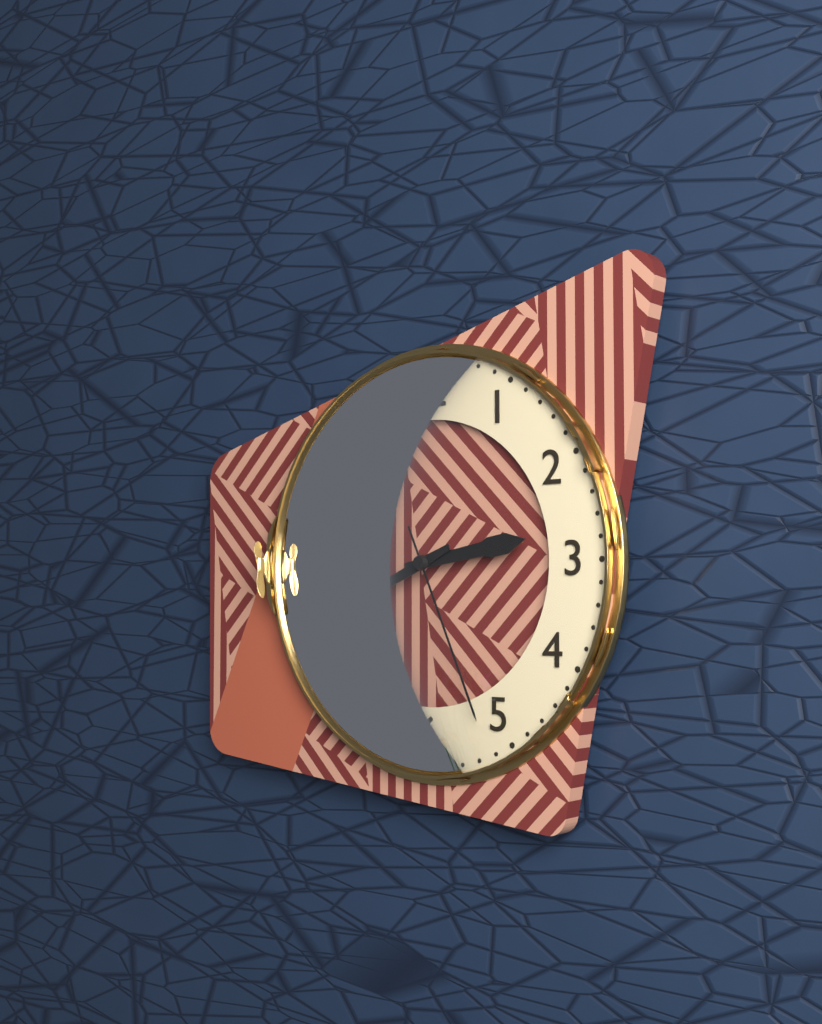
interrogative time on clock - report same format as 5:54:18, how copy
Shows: 2:41:26
